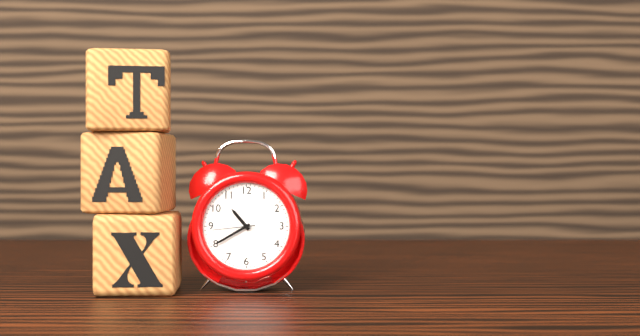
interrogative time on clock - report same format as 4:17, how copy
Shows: 10:40
